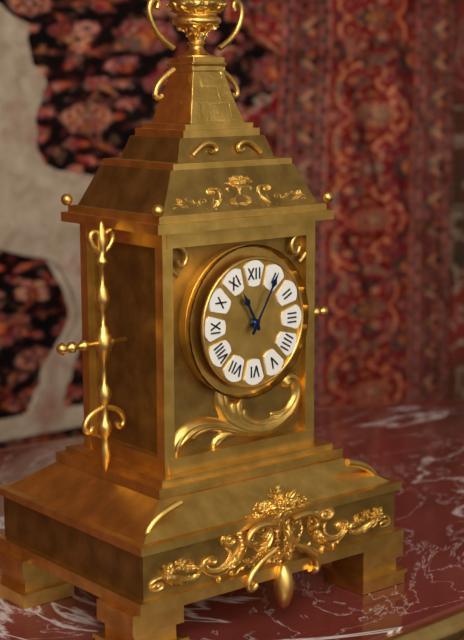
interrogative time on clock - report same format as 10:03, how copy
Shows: 11:05
